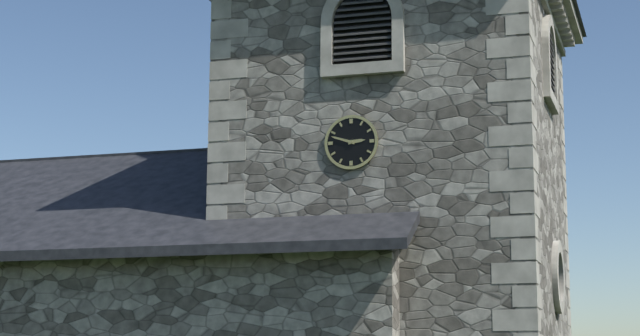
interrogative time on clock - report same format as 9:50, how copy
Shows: 2:48
